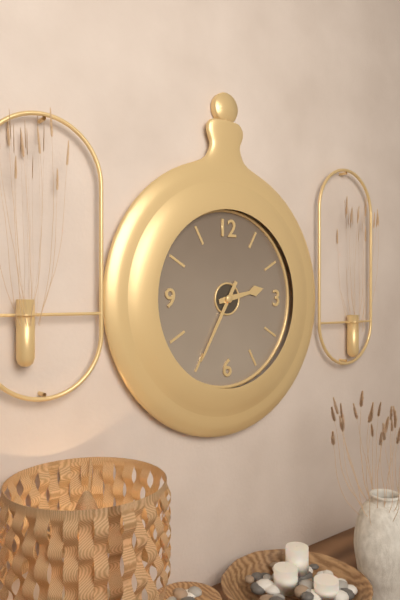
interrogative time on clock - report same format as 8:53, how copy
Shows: 2:35
